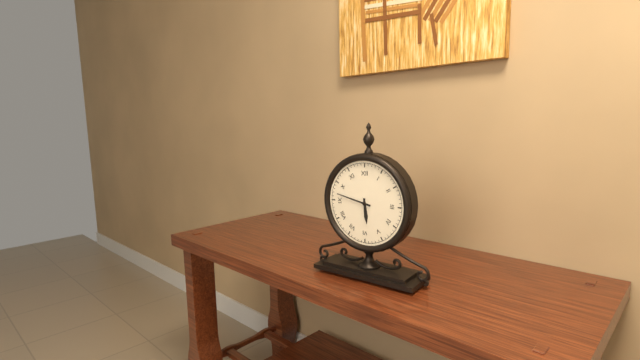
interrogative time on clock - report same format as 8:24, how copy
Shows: 5:47
